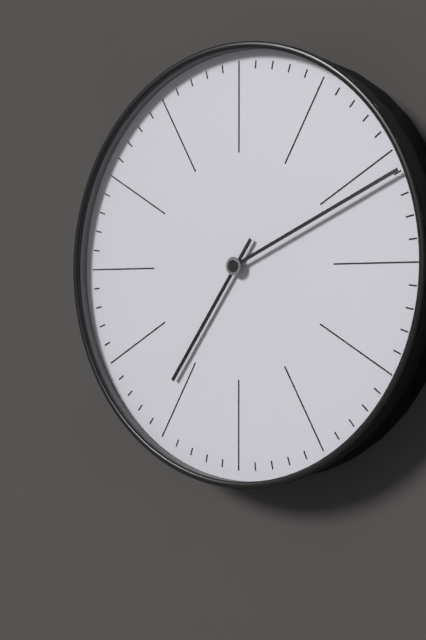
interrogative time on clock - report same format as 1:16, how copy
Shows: 7:11
